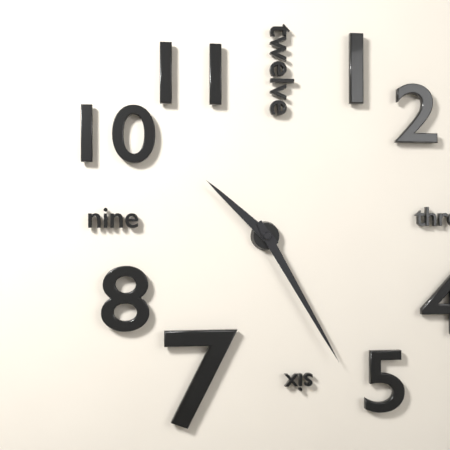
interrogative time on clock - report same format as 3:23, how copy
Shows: 10:25
